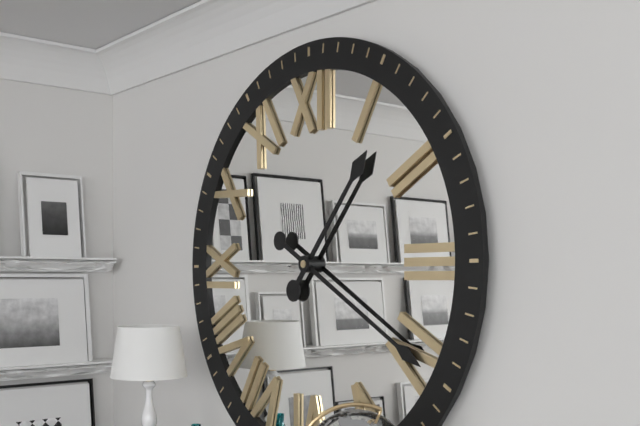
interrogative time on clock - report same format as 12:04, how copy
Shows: 1:20
